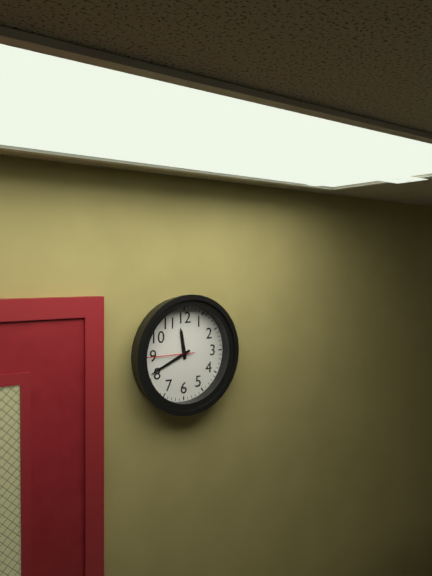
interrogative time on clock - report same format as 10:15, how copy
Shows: 11:41
